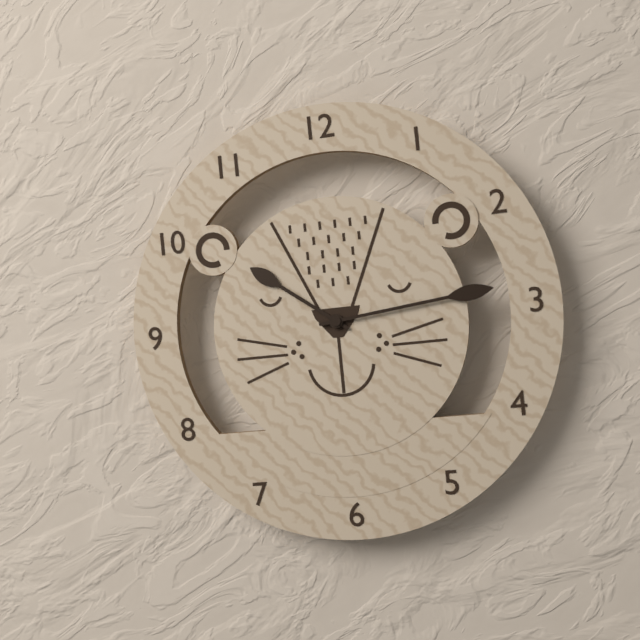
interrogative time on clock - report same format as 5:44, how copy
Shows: 10:14
